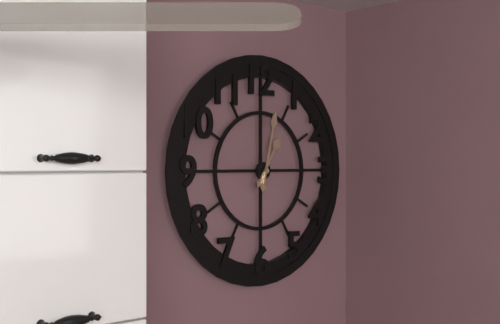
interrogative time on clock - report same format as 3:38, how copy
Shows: 1:02
